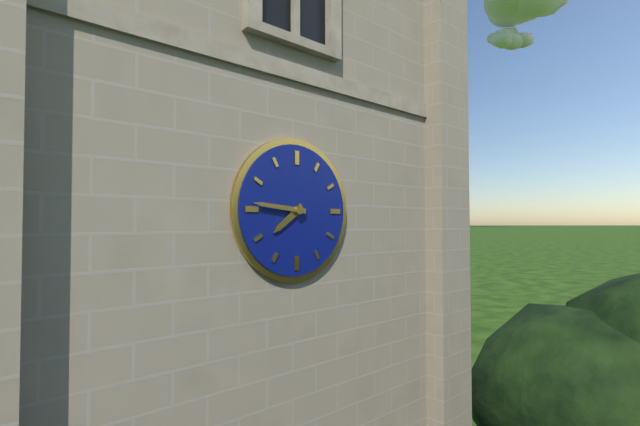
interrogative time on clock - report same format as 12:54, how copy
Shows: 7:46
